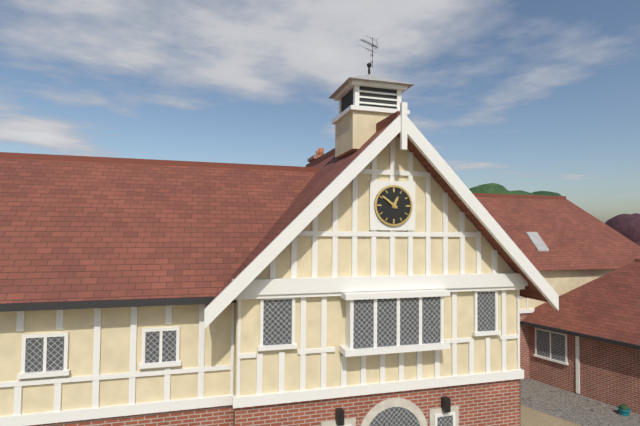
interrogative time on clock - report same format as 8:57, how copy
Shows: 12:51
